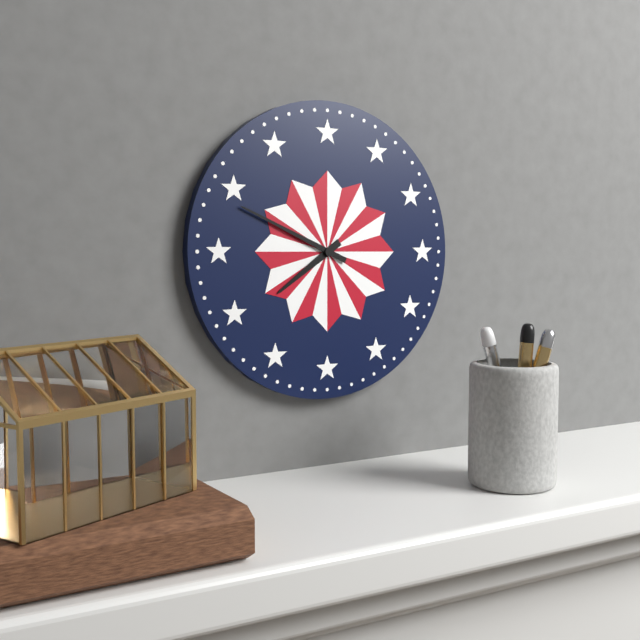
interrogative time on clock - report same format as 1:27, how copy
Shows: 7:49
